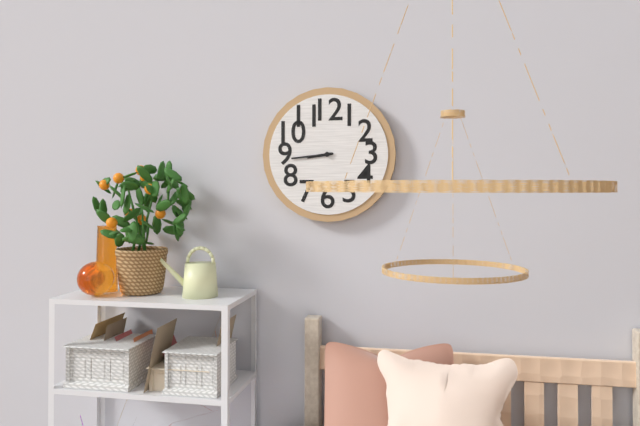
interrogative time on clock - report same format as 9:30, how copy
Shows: 8:44
